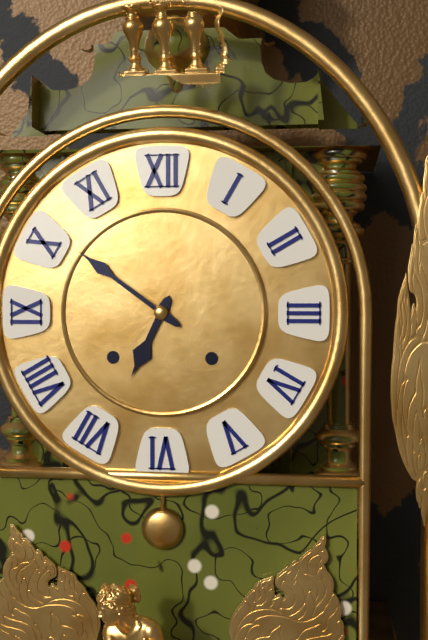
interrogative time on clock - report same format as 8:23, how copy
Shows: 6:51
